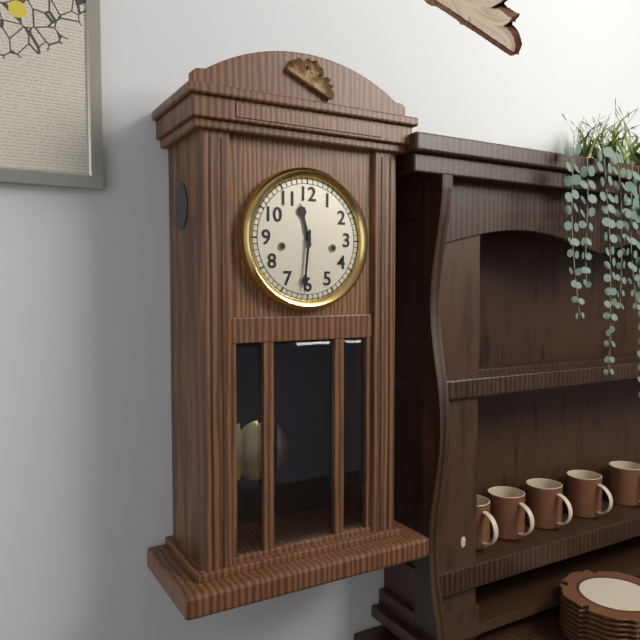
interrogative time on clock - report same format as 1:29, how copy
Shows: 11:31
